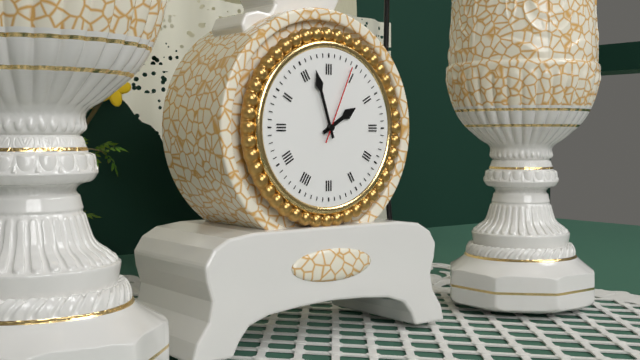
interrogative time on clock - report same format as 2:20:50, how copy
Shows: 1:57:04
